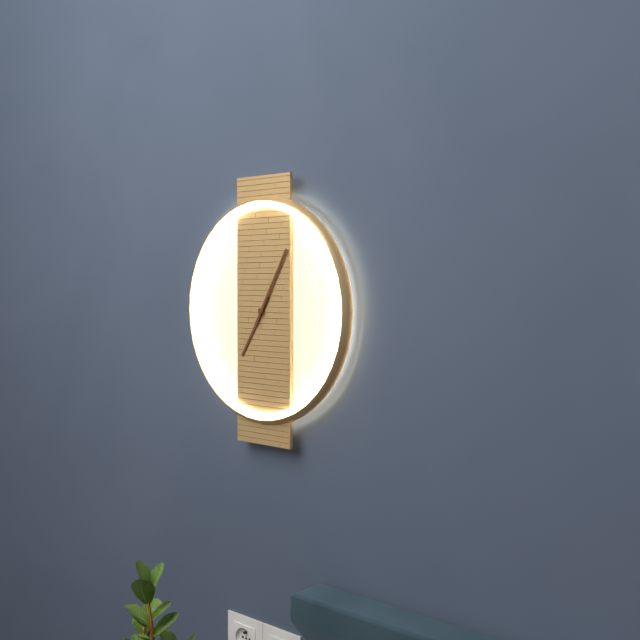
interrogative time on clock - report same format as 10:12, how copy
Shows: 7:05
